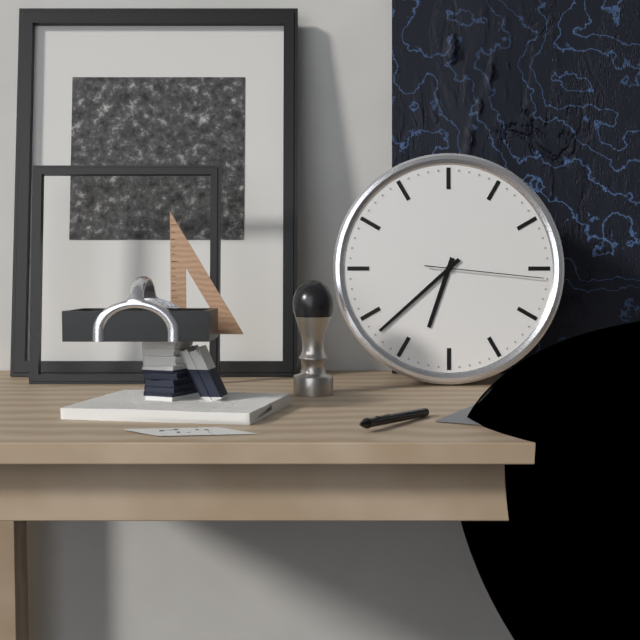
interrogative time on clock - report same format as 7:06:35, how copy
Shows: 6:38:16
